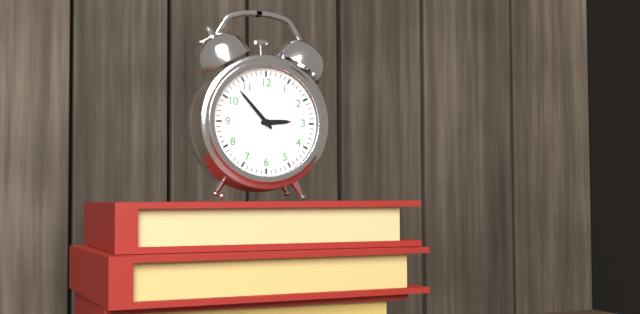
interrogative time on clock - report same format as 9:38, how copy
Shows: 2:53
